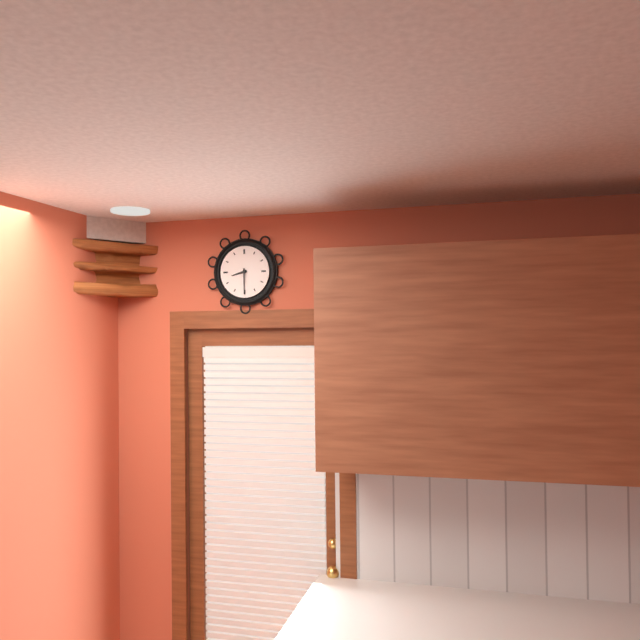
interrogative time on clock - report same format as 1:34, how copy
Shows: 8:30
